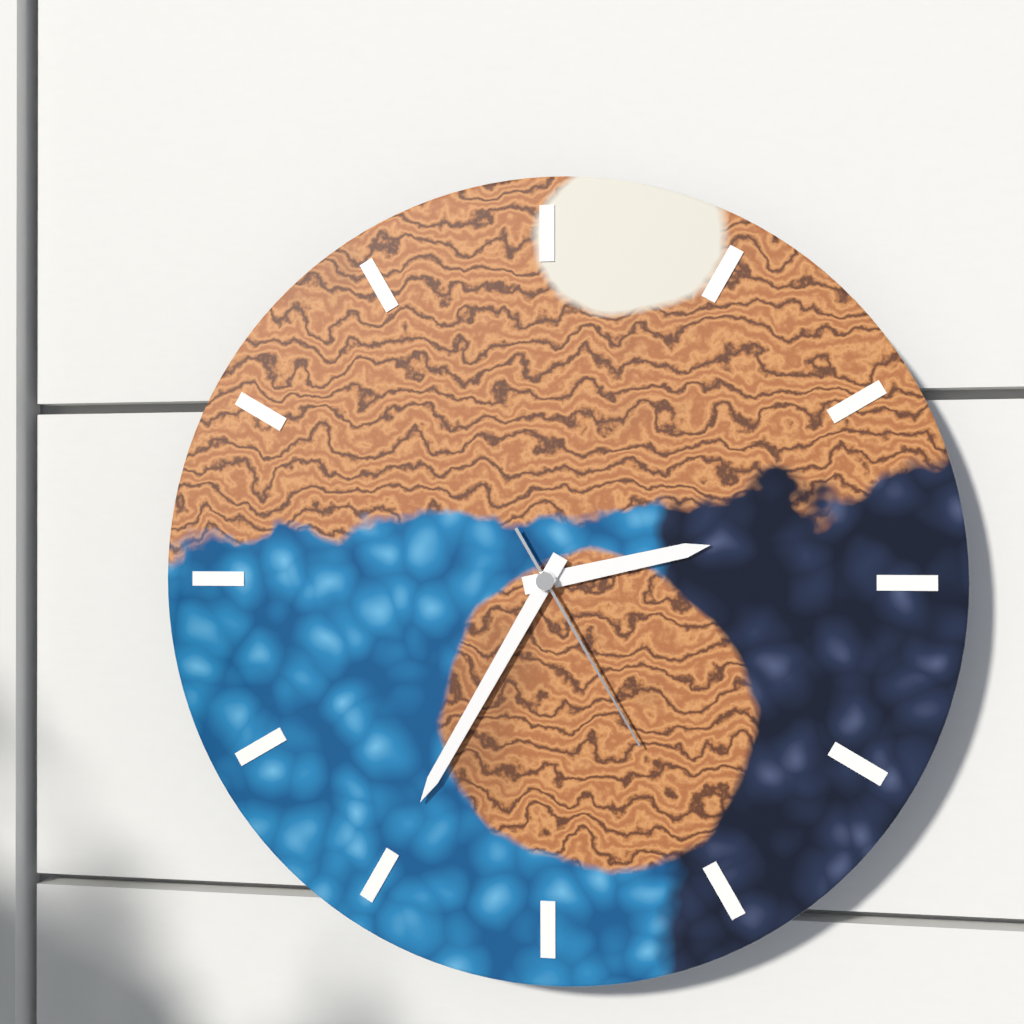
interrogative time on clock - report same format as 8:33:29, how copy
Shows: 2:35:25
